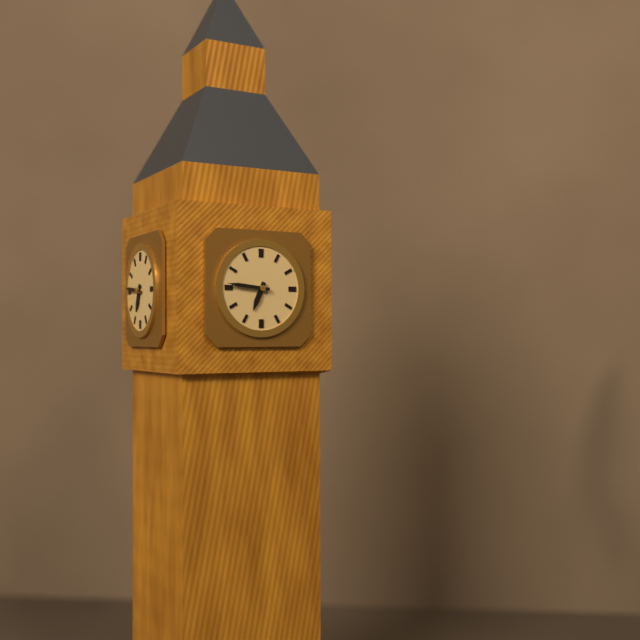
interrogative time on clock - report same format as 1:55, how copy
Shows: 6:46
